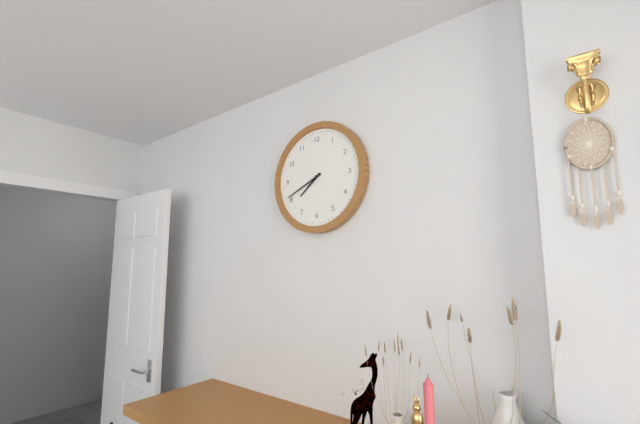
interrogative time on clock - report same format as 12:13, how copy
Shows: 7:41
